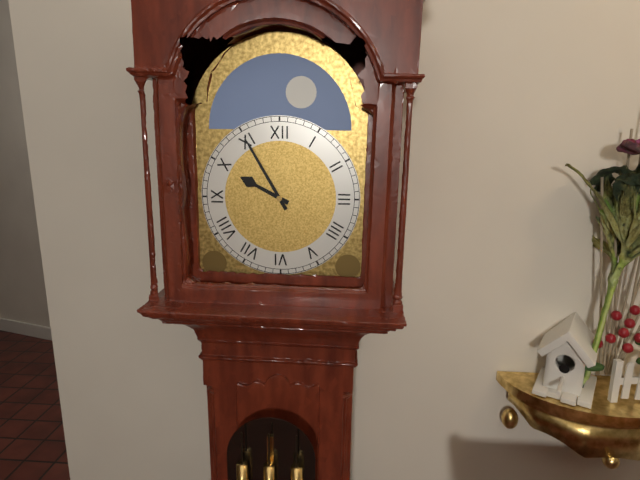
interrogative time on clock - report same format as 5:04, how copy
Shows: 9:55
